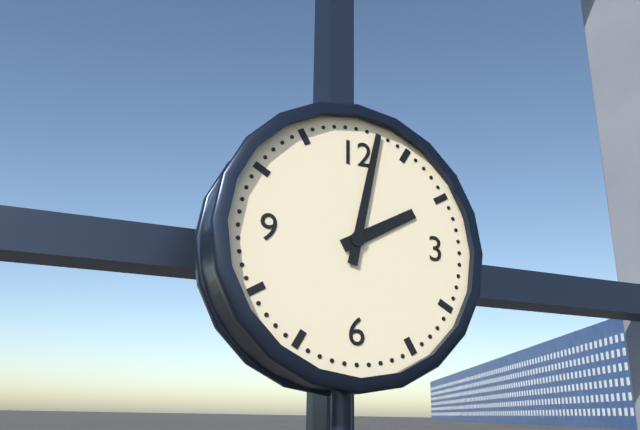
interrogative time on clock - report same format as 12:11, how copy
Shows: 2:02
